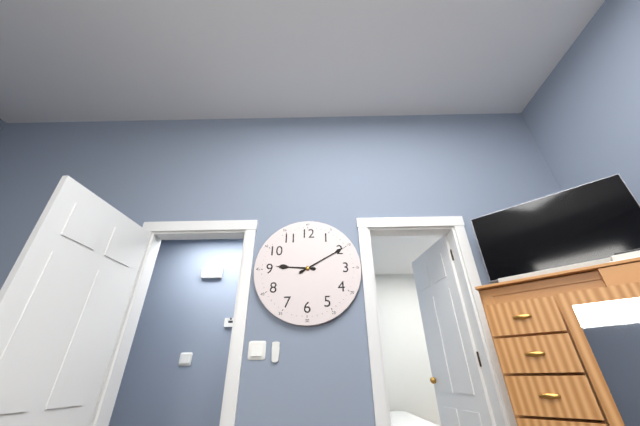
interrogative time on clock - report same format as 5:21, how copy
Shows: 9:10
